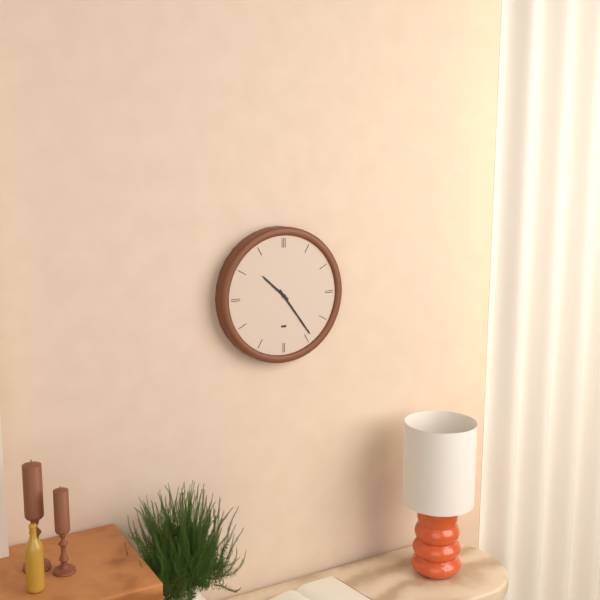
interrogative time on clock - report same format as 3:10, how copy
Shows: 10:24
